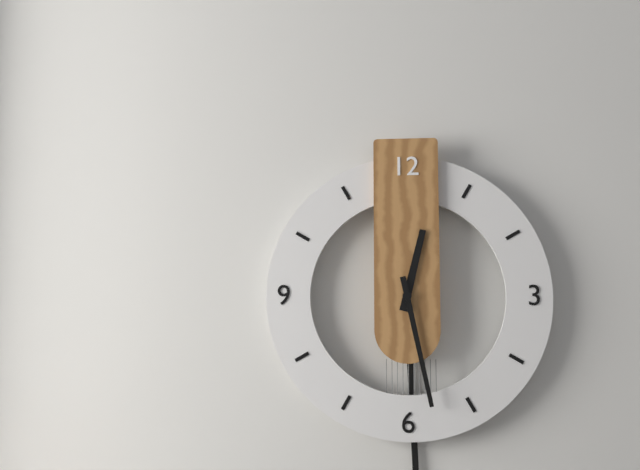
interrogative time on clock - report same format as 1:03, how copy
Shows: 12:28
